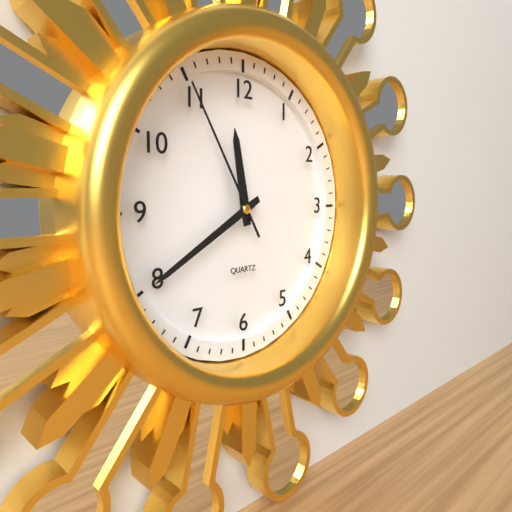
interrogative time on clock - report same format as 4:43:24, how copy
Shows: 11:40:55
